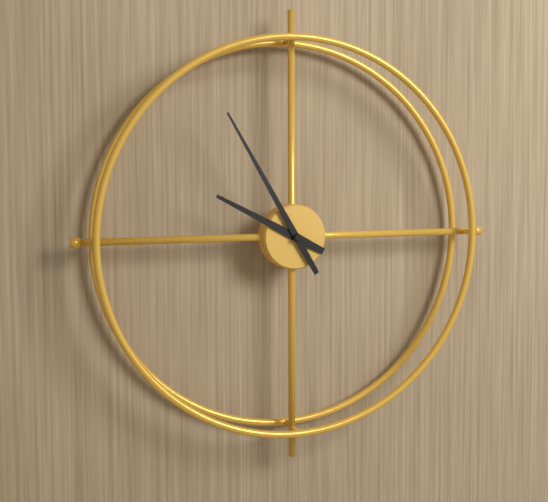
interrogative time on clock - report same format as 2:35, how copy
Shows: 9:55
